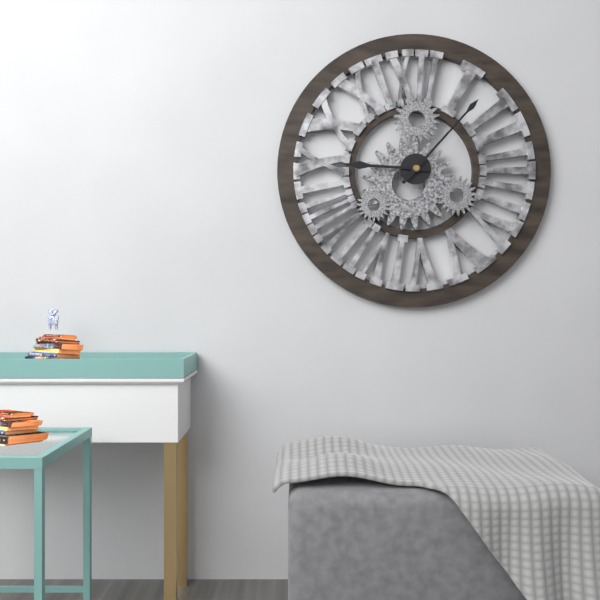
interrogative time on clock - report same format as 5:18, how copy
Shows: 9:07
